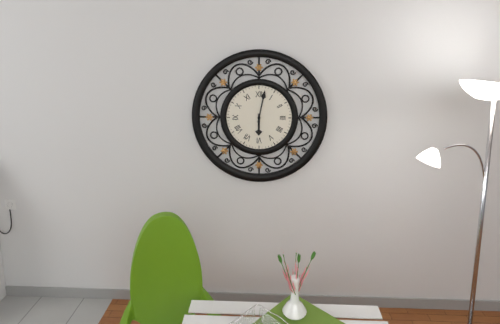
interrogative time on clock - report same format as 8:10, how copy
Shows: 6:02
